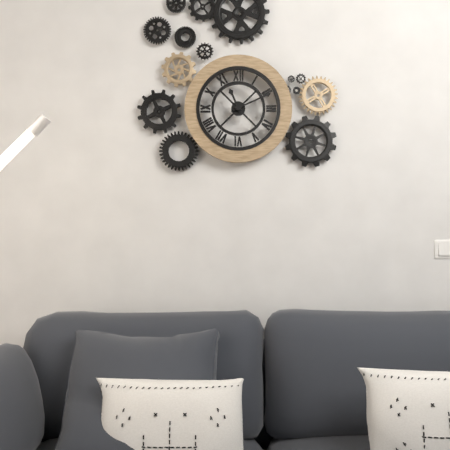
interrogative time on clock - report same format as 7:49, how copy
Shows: 11:11
